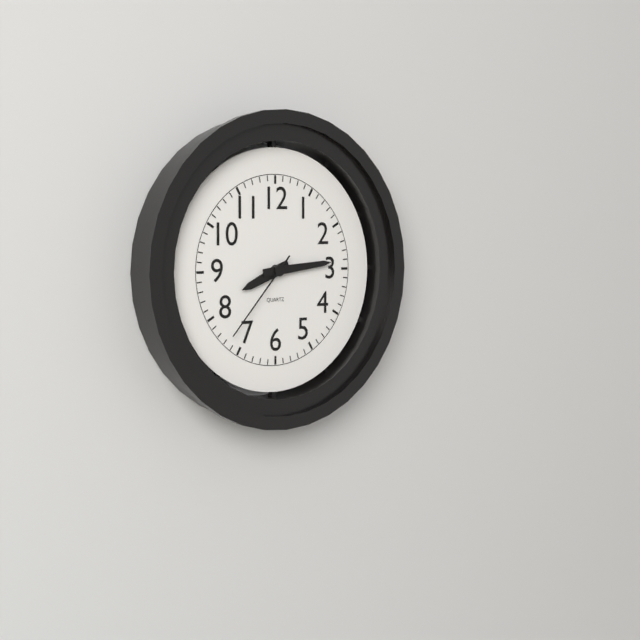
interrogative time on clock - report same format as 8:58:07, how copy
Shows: 8:14:37
